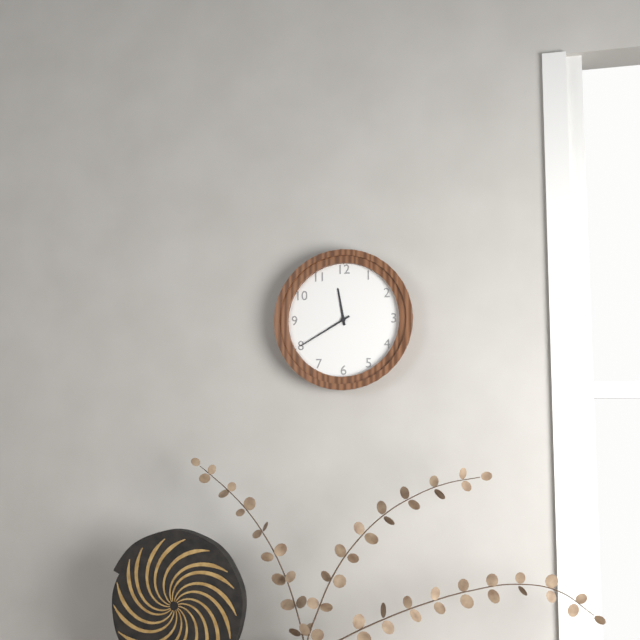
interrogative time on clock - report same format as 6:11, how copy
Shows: 11:40
